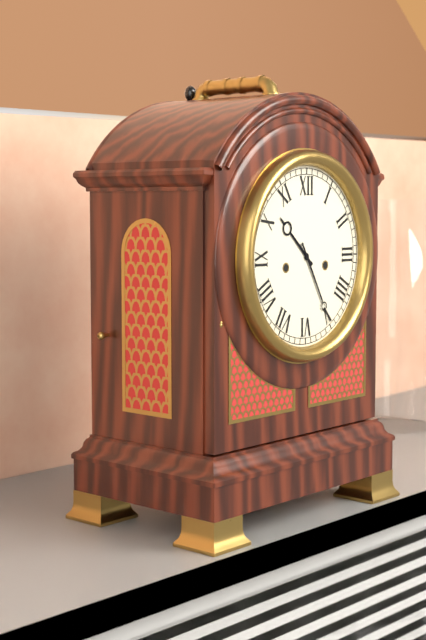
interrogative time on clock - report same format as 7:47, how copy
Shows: 10:25
